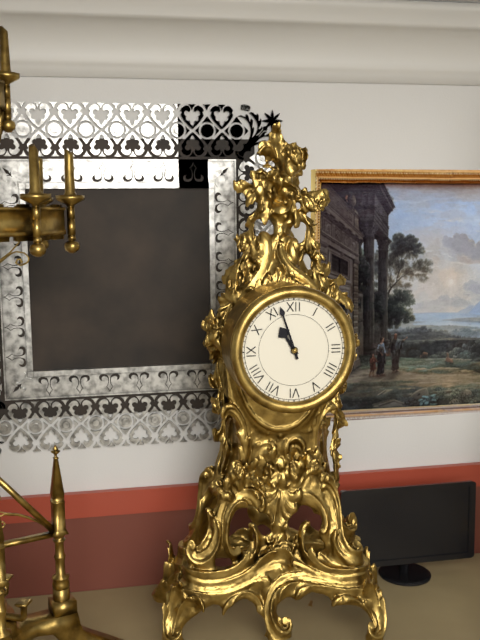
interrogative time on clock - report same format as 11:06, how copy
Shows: 10:57
